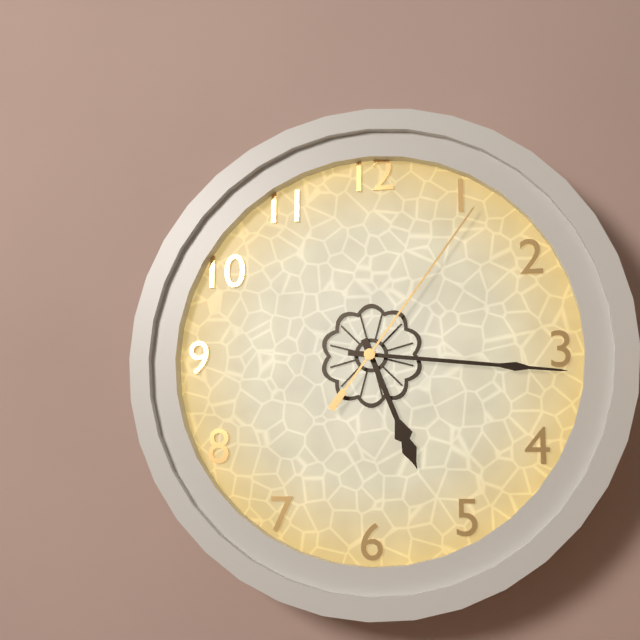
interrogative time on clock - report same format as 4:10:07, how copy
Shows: 5:16:06
